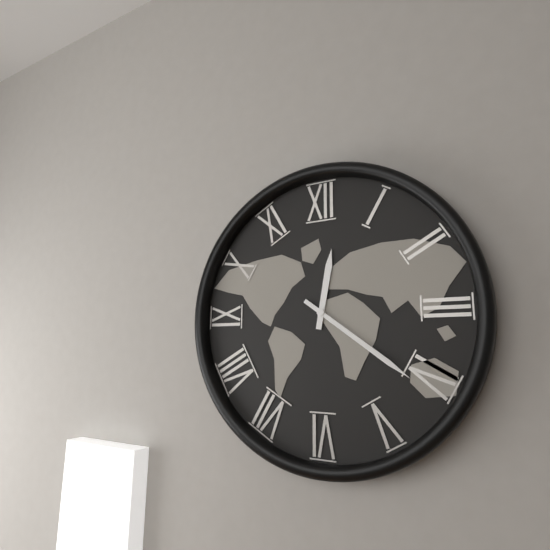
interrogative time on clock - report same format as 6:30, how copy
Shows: 12:21
